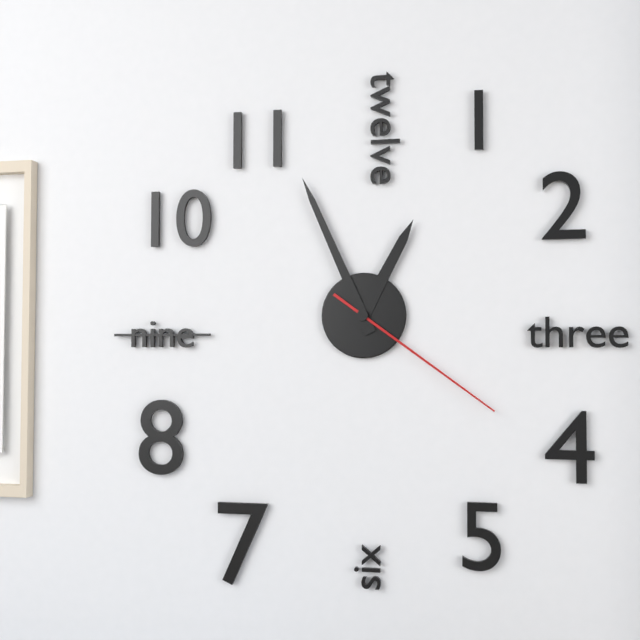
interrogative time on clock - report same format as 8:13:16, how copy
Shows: 12:56:21
